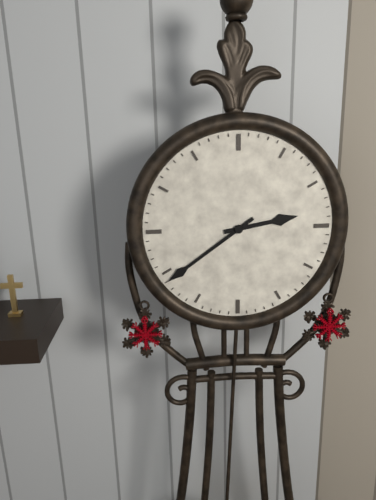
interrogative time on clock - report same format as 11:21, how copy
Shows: 2:39
